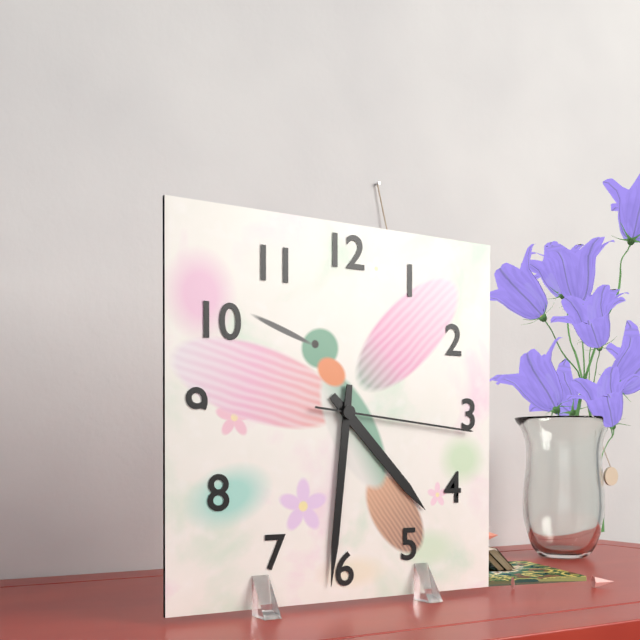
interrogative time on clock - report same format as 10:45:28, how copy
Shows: 4:31:16
